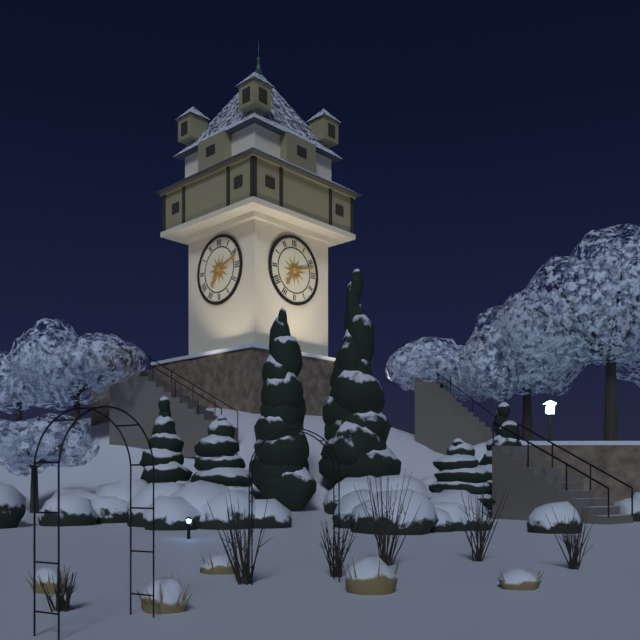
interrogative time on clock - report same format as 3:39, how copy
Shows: 7:12
